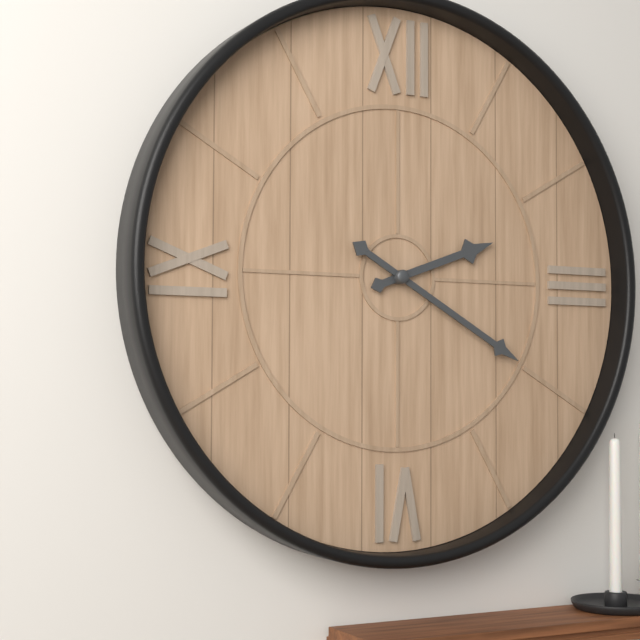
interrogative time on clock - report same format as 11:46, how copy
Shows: 2:20
